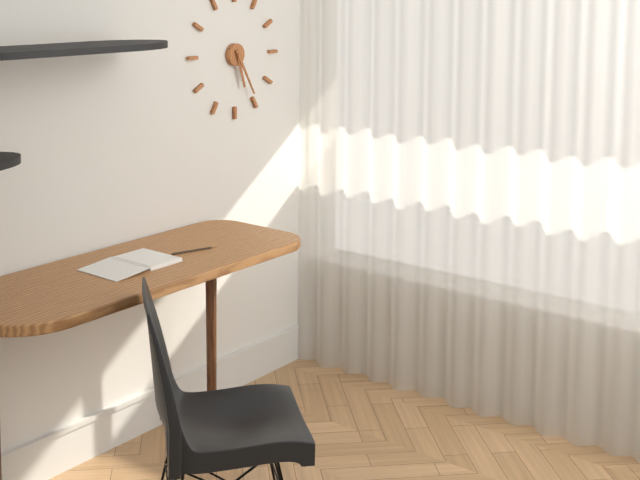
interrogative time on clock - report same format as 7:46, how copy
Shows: 5:25
